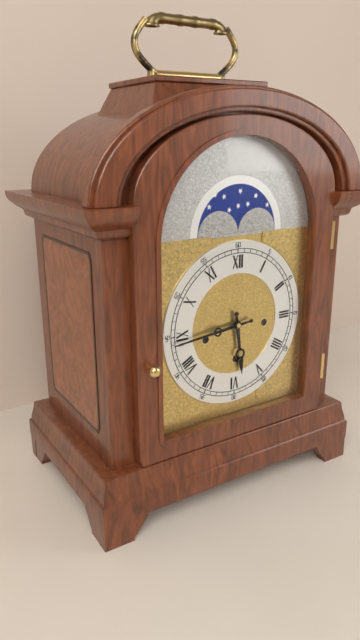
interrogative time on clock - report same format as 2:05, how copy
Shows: 5:44
